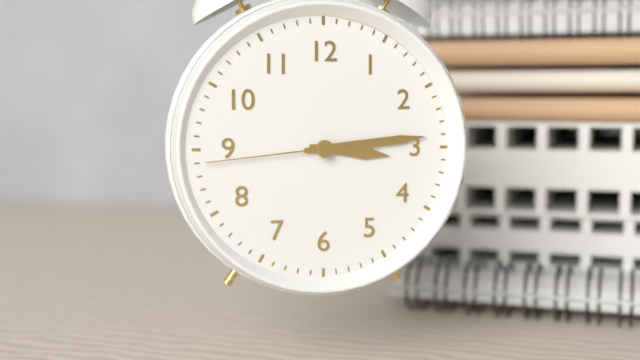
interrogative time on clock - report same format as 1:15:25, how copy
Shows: 3:14:44
